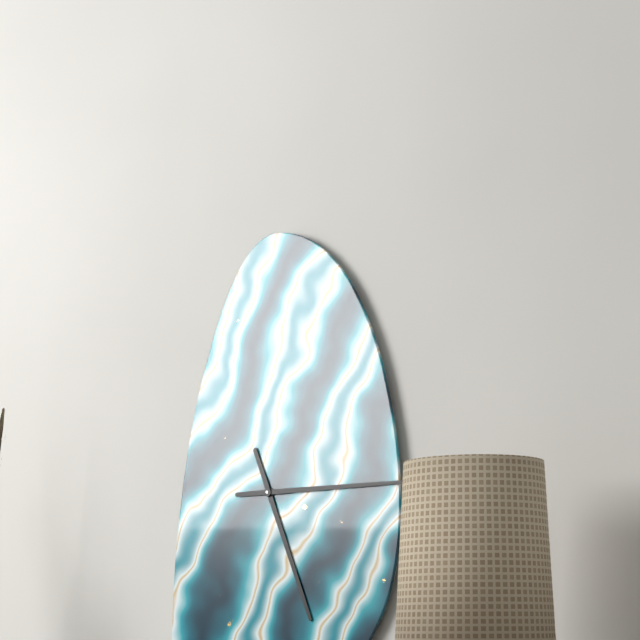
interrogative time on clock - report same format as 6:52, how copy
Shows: 5:15
